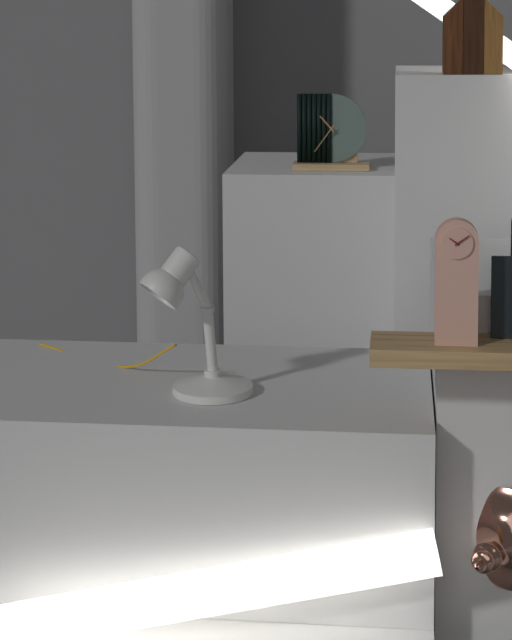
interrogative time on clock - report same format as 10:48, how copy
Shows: 10:36
